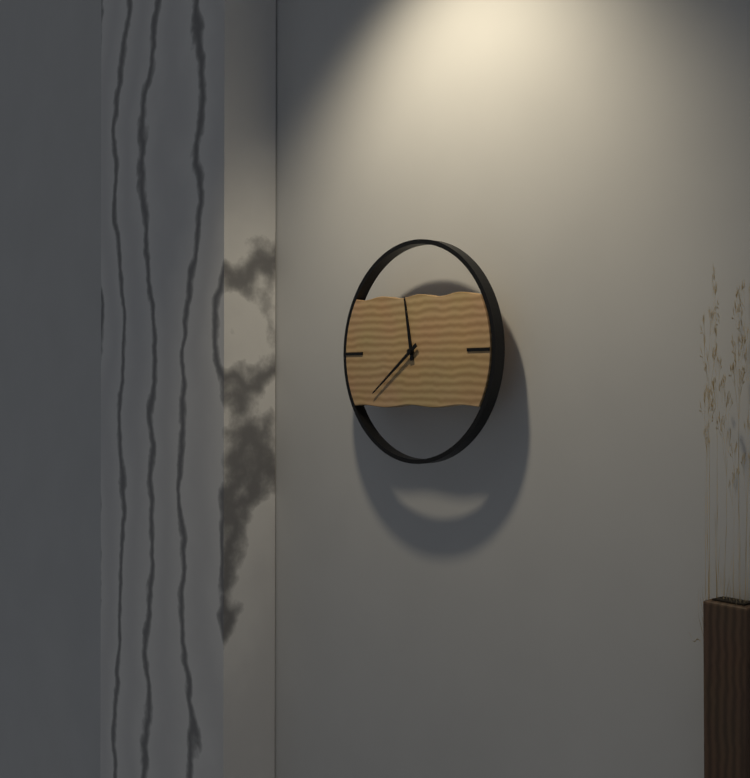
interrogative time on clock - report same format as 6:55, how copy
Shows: 11:39
